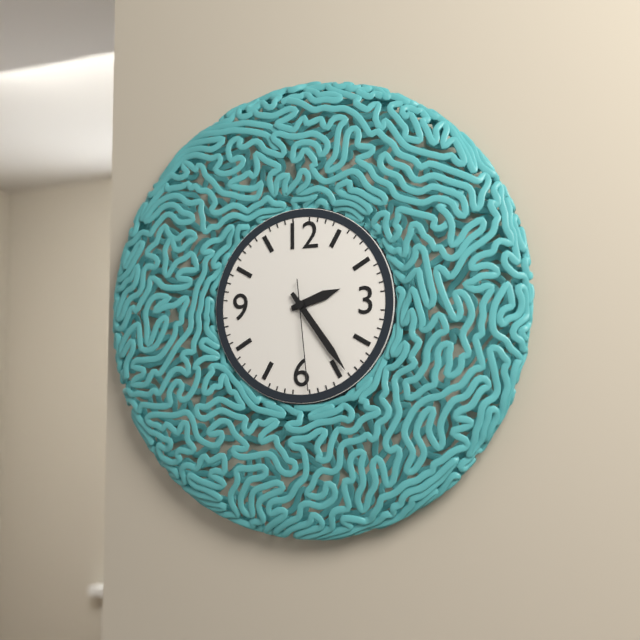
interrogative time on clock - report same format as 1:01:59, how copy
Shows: 2:24:29
